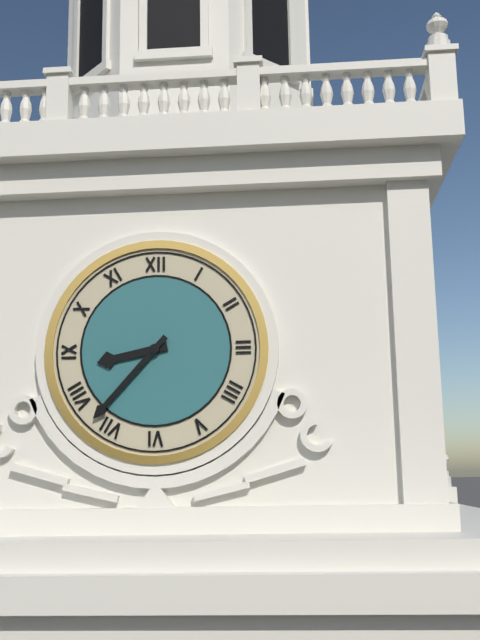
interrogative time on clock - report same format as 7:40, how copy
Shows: 8:37
